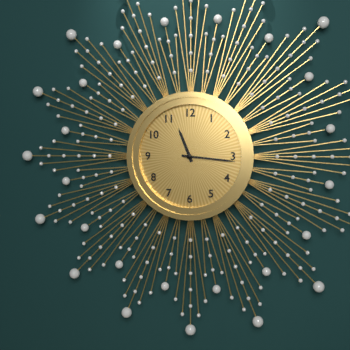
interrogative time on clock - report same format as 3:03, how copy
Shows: 11:16
